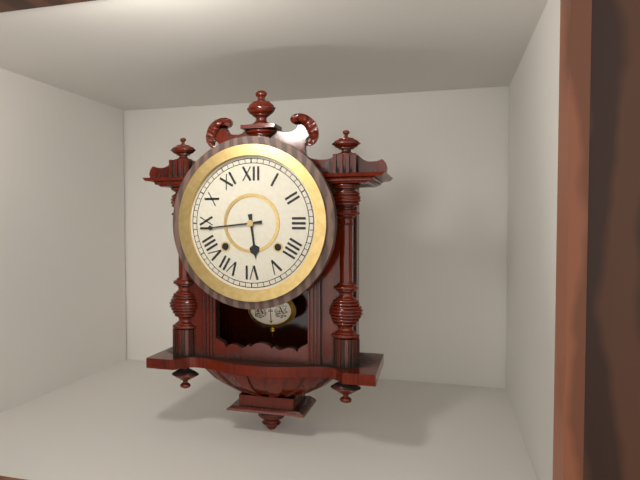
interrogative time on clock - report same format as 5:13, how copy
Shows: 5:44
